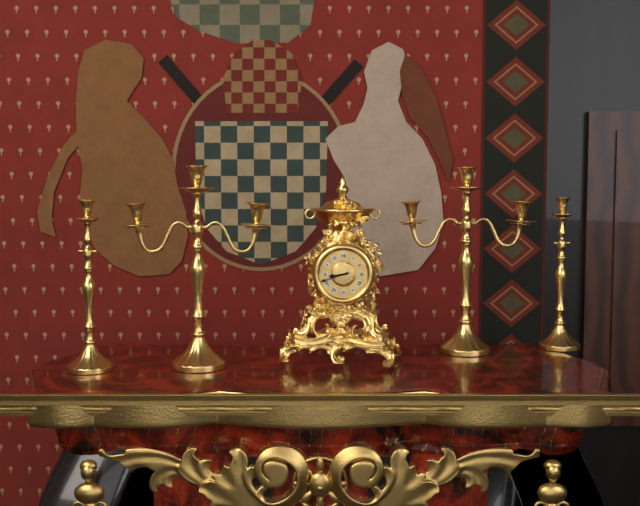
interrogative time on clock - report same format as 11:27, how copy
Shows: 8:42
